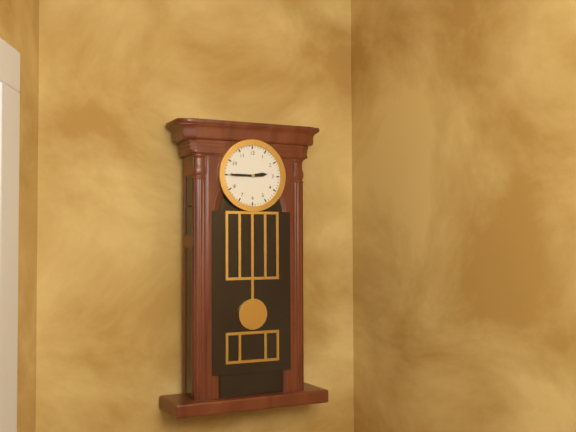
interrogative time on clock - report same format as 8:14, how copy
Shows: 2:45
